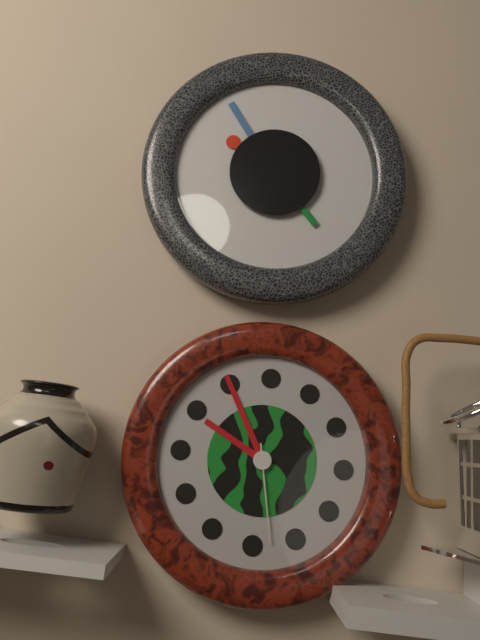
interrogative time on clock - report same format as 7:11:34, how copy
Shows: 9:55:28
